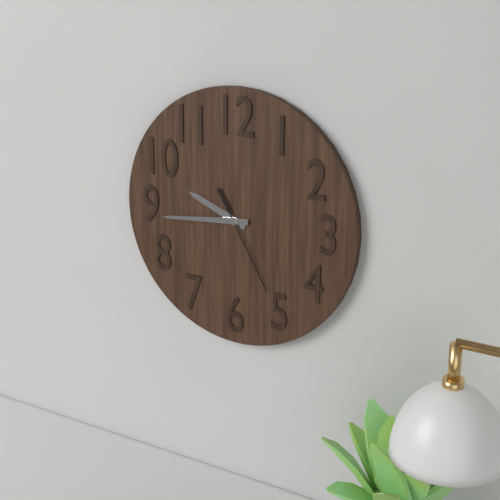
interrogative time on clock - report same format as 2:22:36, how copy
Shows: 9:44:25
